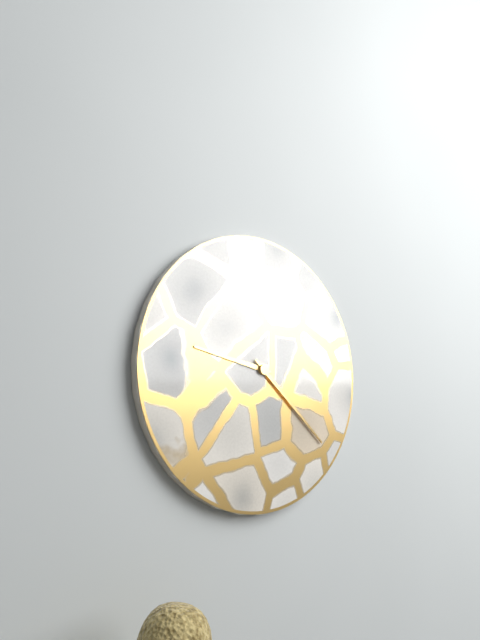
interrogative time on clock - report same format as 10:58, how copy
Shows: 9:22
